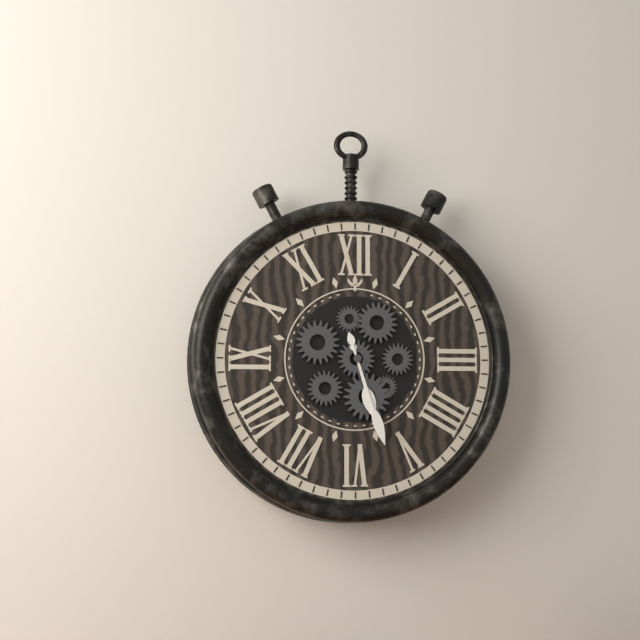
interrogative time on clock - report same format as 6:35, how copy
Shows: 5:27
